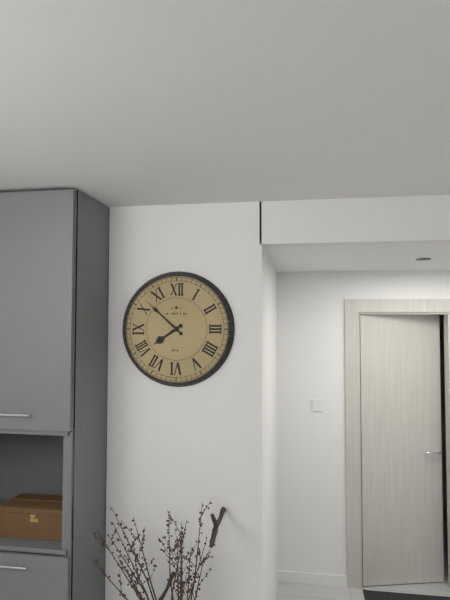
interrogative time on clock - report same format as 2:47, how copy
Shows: 7:52
